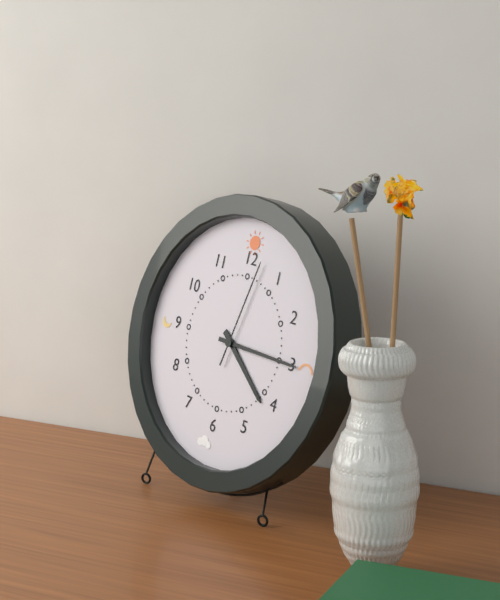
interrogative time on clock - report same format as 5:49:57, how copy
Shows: 4:15:02
